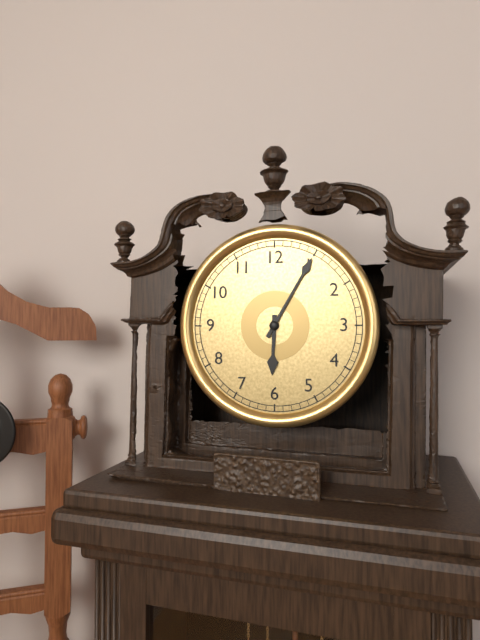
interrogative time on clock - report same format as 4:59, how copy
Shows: 6:05
